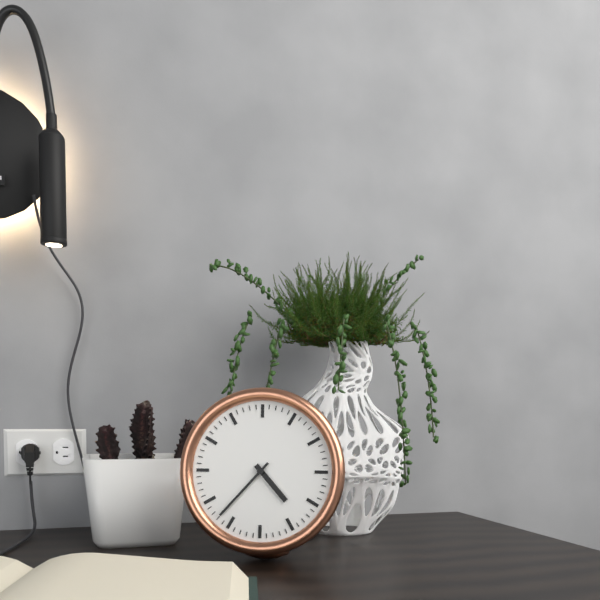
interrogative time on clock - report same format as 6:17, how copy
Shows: 4:37
